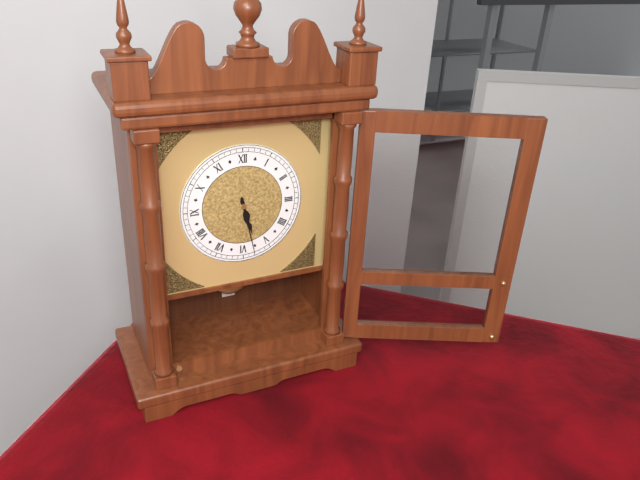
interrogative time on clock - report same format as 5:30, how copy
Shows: 5:28
